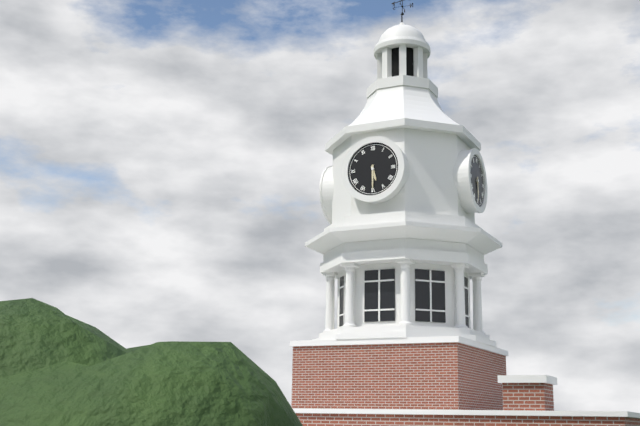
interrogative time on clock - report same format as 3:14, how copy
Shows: 5:30
